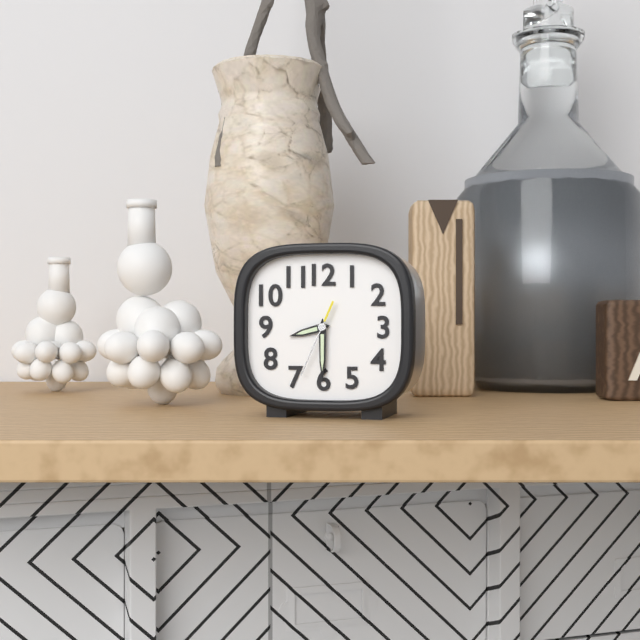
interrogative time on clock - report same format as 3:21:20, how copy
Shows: 8:30:34
